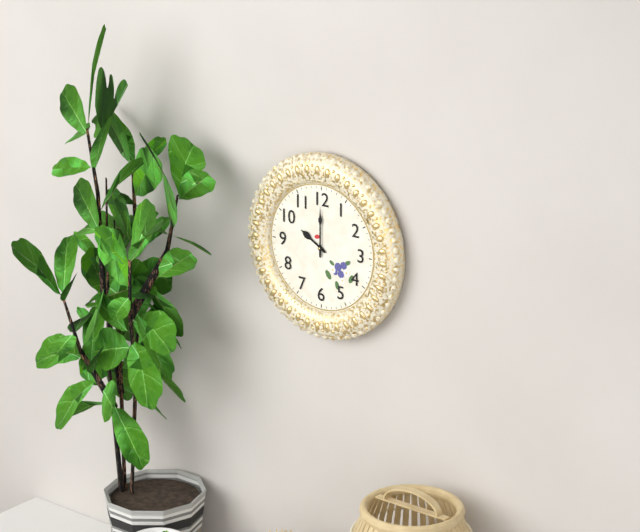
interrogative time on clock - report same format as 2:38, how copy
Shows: 10:00
